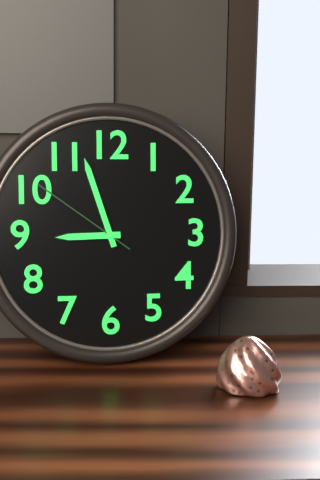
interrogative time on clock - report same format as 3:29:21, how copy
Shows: 8:57:51
